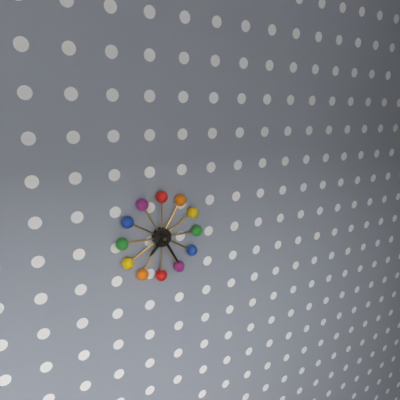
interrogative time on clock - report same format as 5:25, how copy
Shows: 7:25
